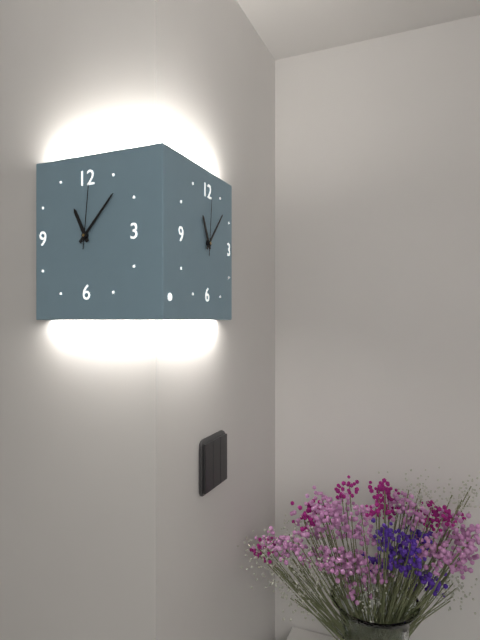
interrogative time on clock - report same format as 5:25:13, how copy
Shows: 11:07:01
